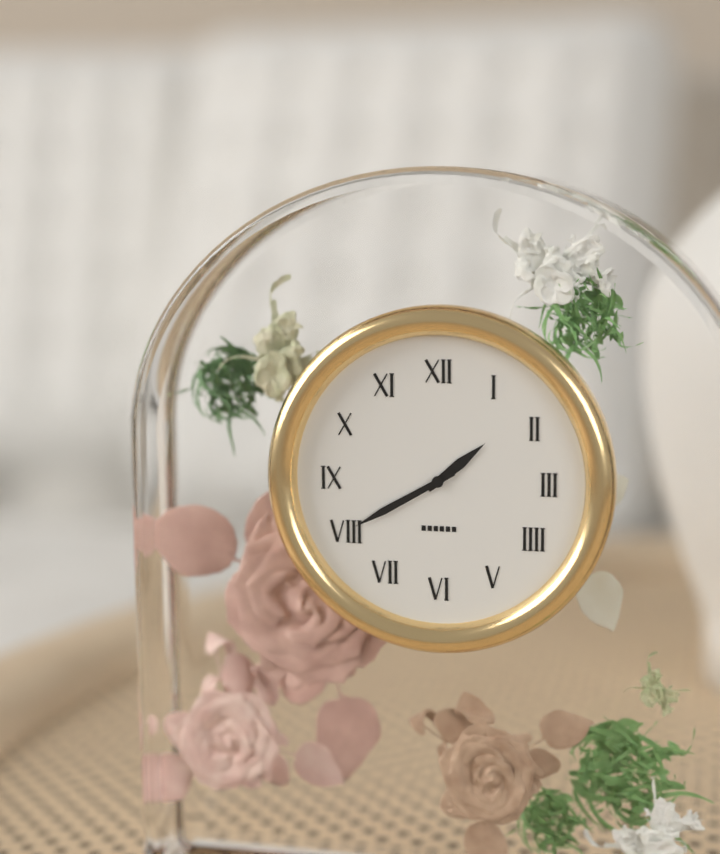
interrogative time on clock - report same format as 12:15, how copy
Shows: 1:40
